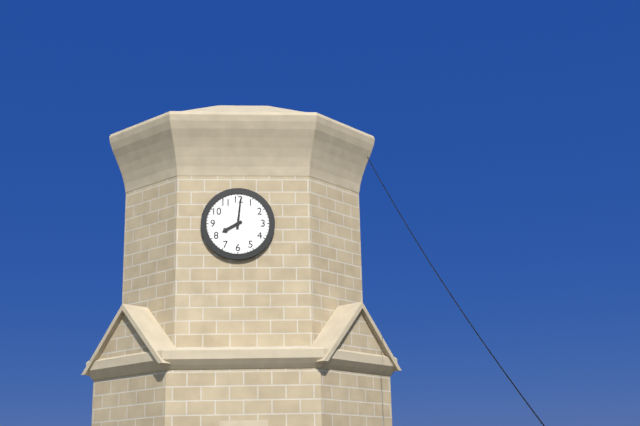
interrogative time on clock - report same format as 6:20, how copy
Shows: 8:01
